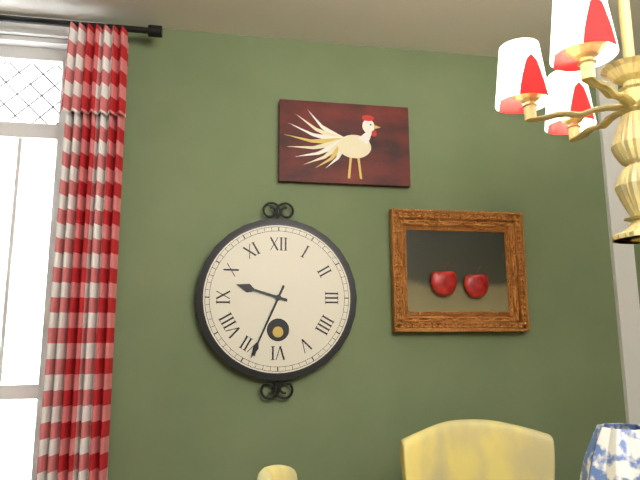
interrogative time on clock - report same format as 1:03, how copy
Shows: 9:34
